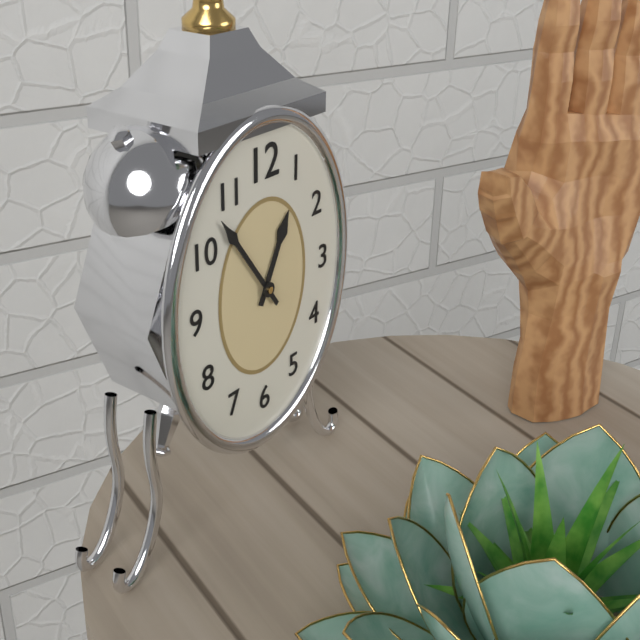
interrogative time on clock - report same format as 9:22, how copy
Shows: 12:54
